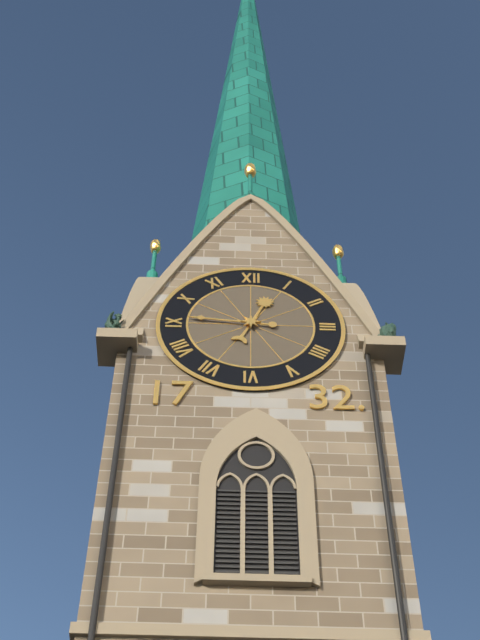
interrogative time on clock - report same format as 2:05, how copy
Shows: 12:46
